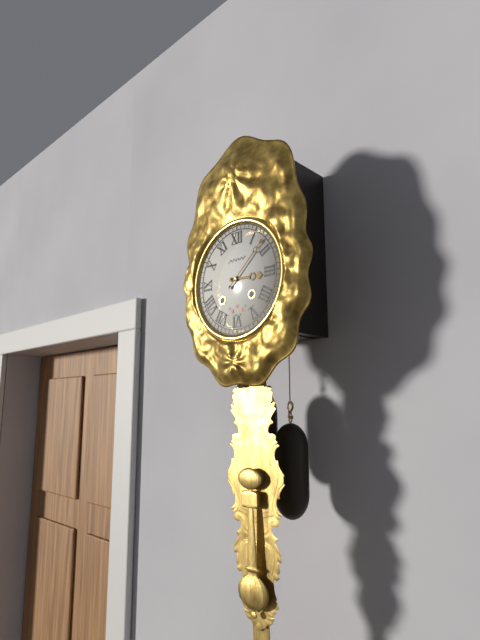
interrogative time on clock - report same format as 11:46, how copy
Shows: 3:08
